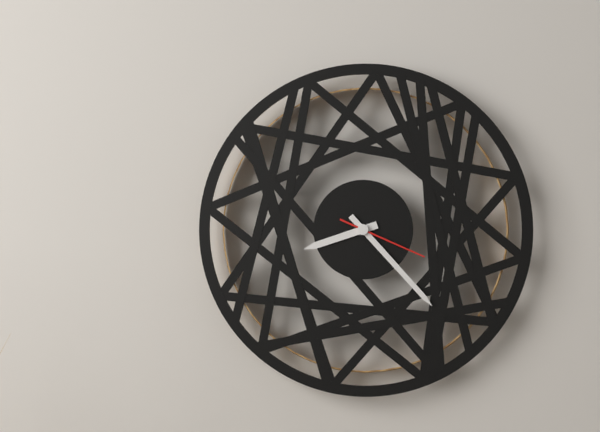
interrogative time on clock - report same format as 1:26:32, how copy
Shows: 8:23:19
